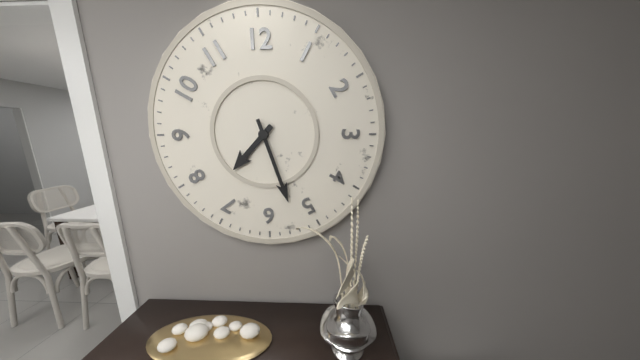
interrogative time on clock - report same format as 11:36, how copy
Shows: 7:27
